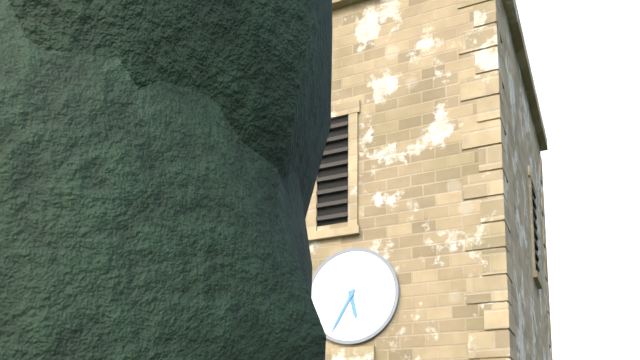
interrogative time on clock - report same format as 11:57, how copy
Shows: 5:35
